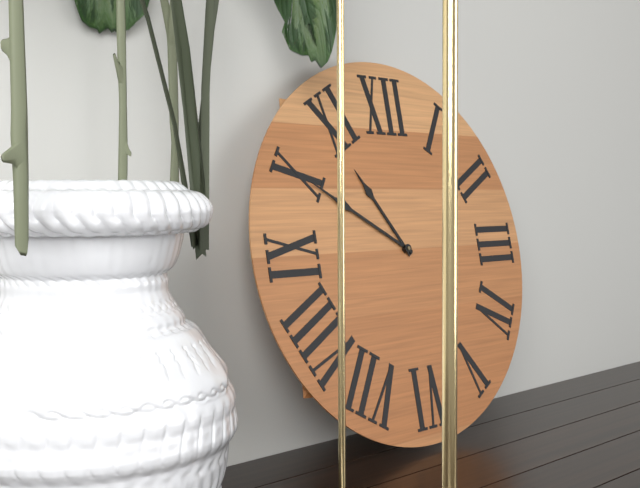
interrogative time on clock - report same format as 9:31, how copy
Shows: 10:50
